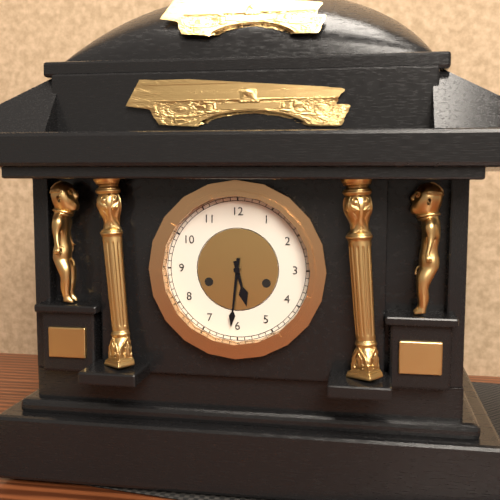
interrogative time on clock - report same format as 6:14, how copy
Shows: 5:31
